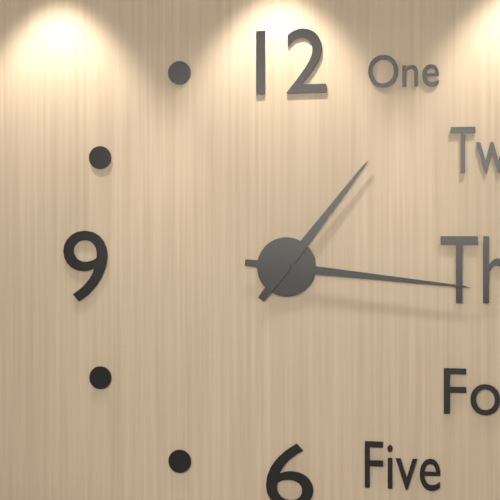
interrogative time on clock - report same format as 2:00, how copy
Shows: 1:16
